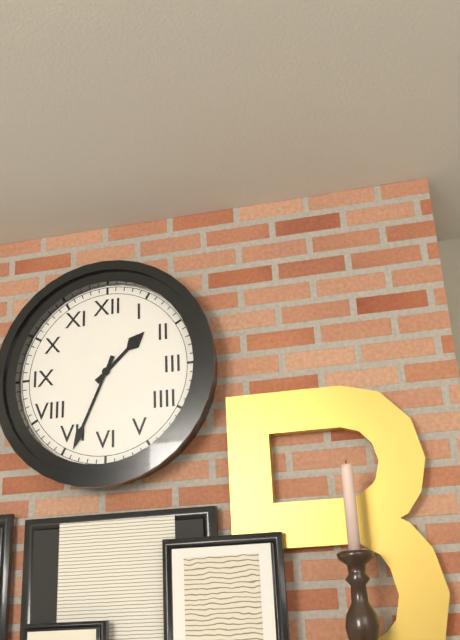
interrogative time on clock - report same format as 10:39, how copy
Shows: 1:34
